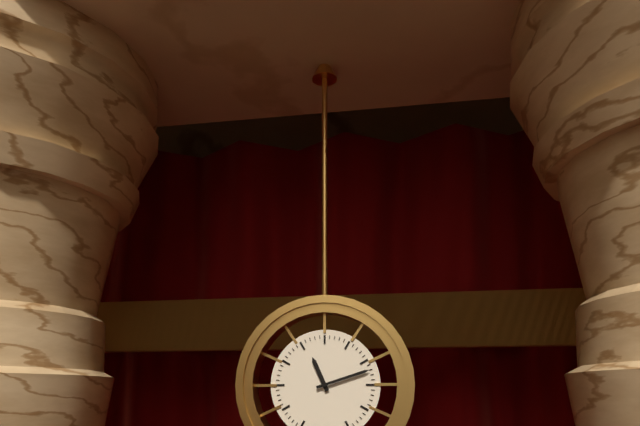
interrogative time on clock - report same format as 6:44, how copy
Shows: 11:12
